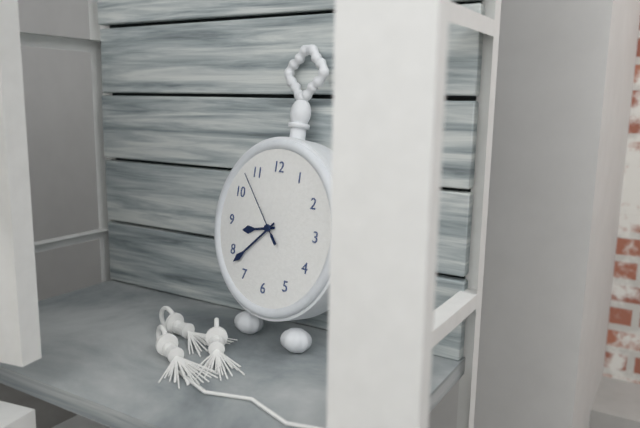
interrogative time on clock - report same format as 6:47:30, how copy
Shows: 8:38:53
